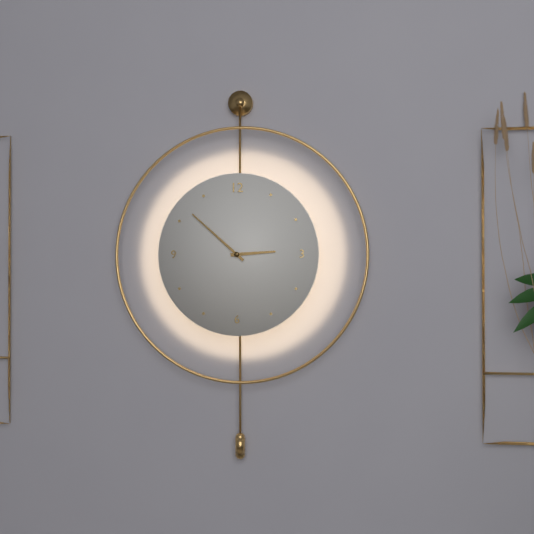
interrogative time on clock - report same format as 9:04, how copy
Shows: 2:52
